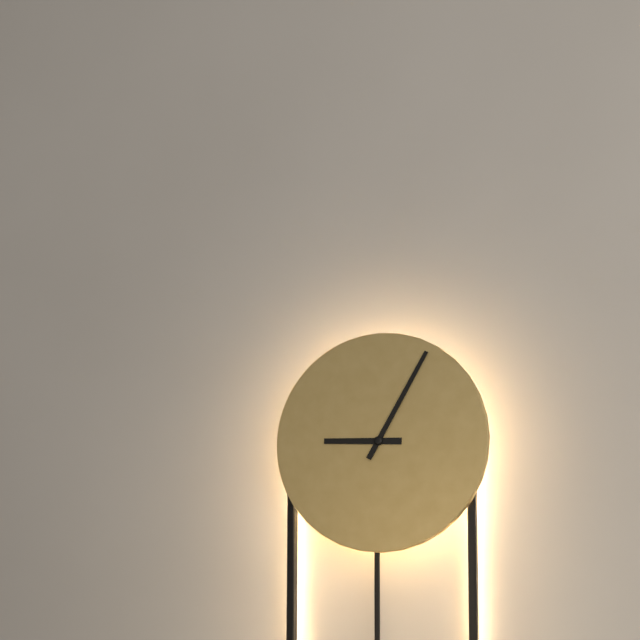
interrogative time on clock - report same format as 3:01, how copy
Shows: 9:05
